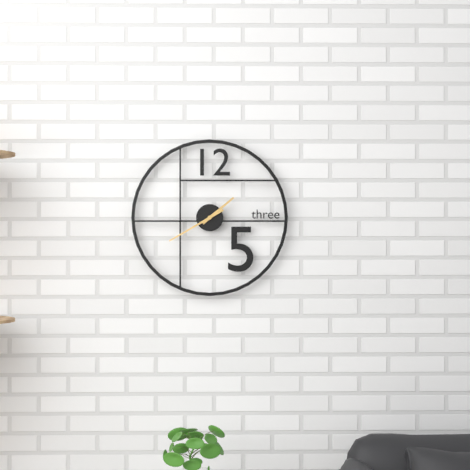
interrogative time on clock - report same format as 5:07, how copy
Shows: 1:40
